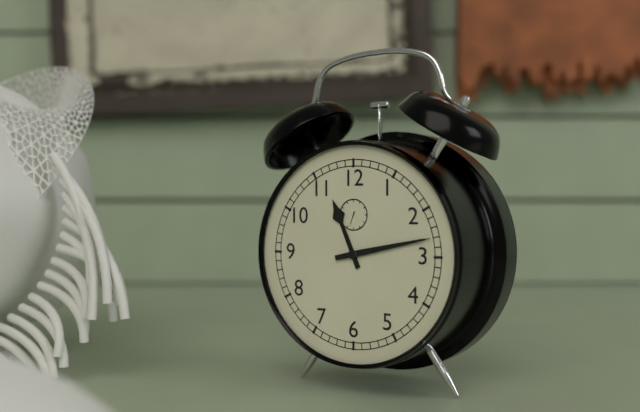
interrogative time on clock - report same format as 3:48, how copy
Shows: 11:13
